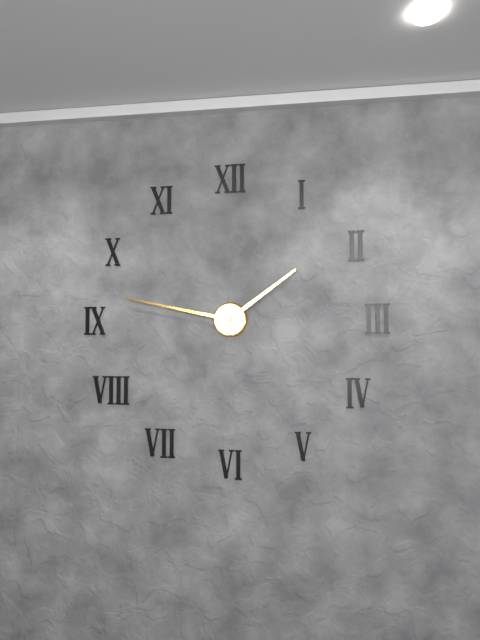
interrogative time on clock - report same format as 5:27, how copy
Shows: 1:47
